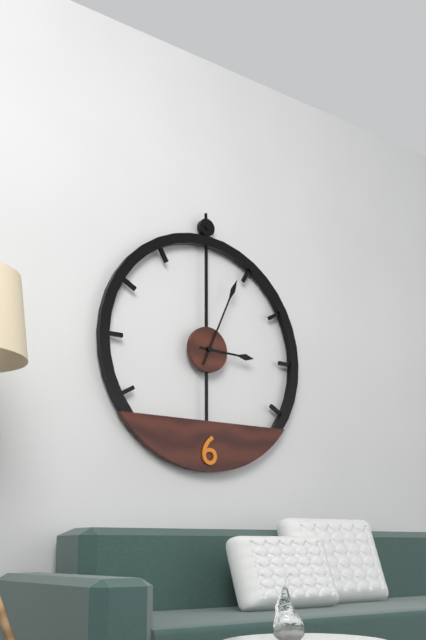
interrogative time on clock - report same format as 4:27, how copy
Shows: 3:04
